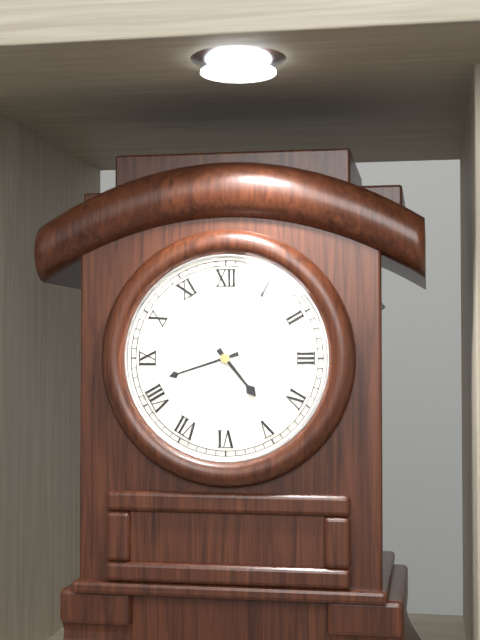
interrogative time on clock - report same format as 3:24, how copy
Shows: 4:42
